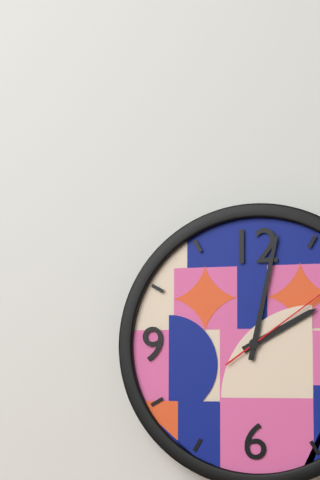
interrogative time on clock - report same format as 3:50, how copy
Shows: 2:02
